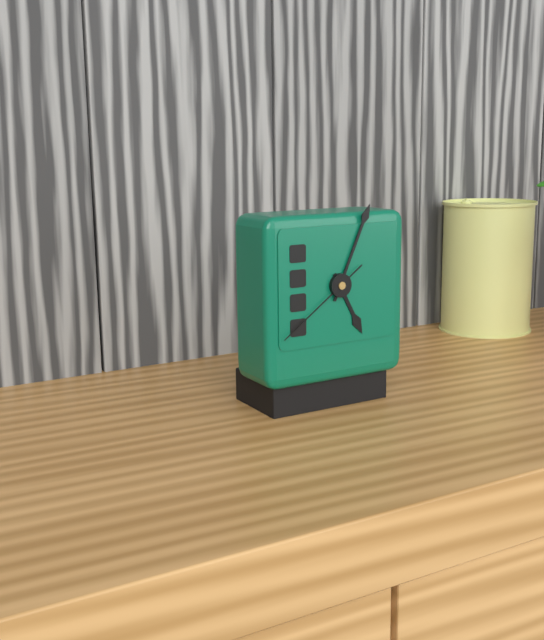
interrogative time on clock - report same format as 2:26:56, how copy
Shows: 5:04:39
